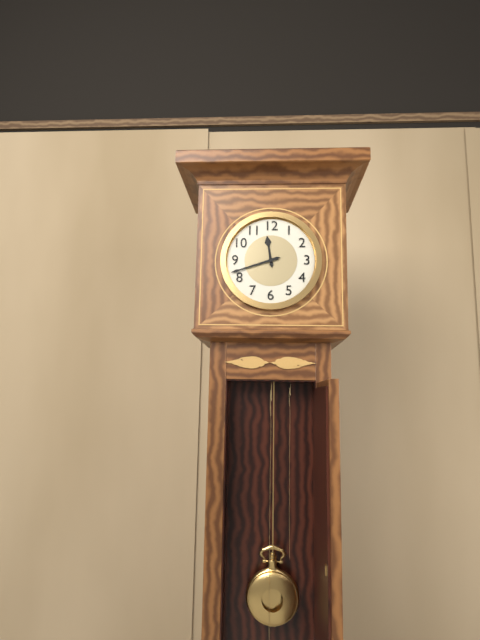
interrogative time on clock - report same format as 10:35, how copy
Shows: 11:42
